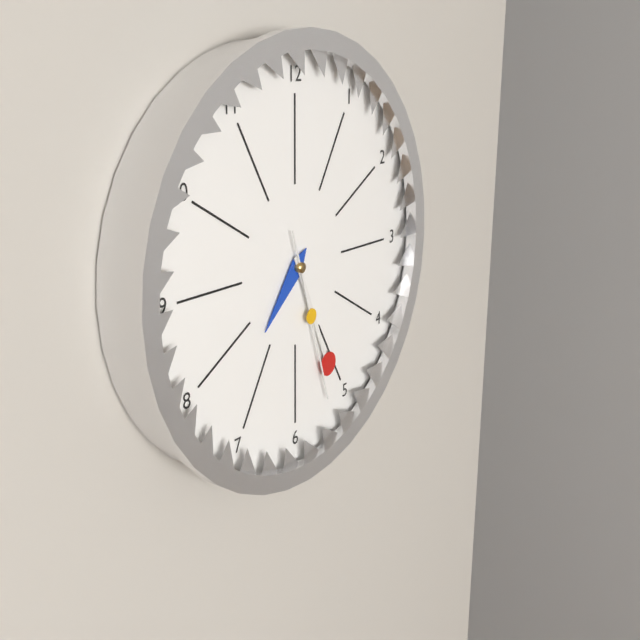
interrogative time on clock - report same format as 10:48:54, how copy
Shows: 7:26:27
